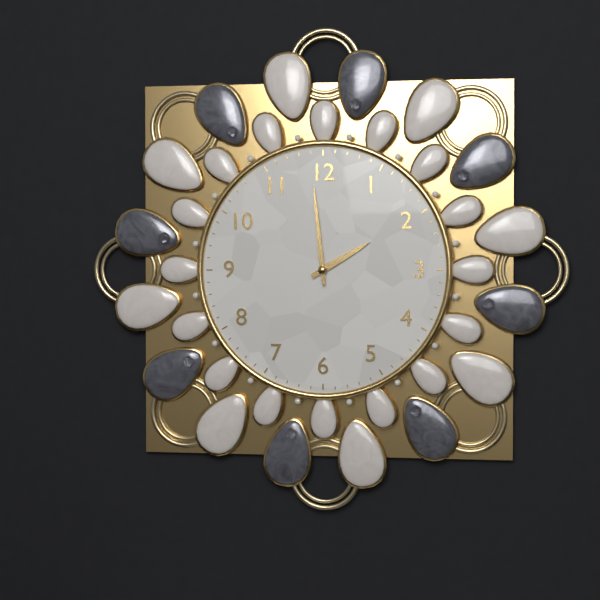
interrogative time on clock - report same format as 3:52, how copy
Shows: 1:59
